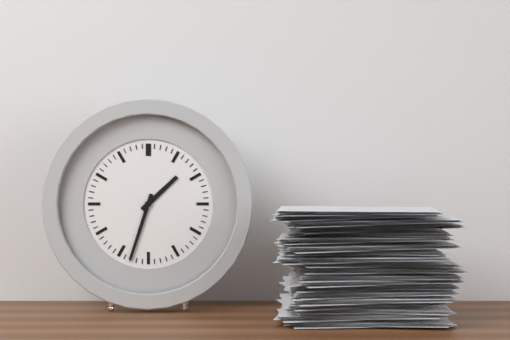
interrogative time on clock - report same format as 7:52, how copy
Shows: 1:33
